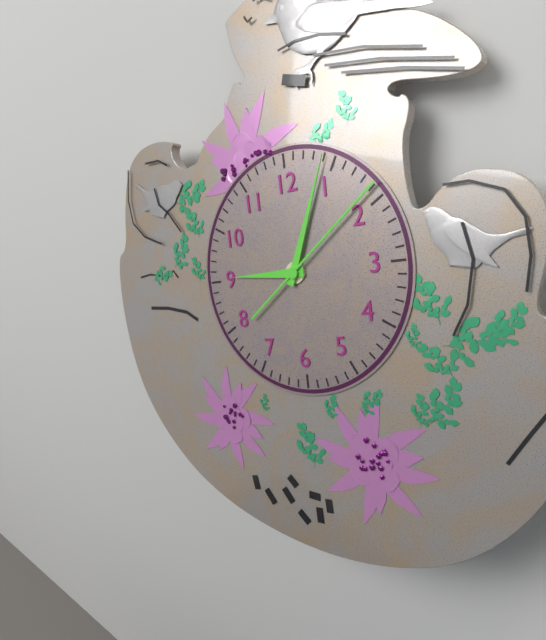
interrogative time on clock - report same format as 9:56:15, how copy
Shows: 9:04:09
